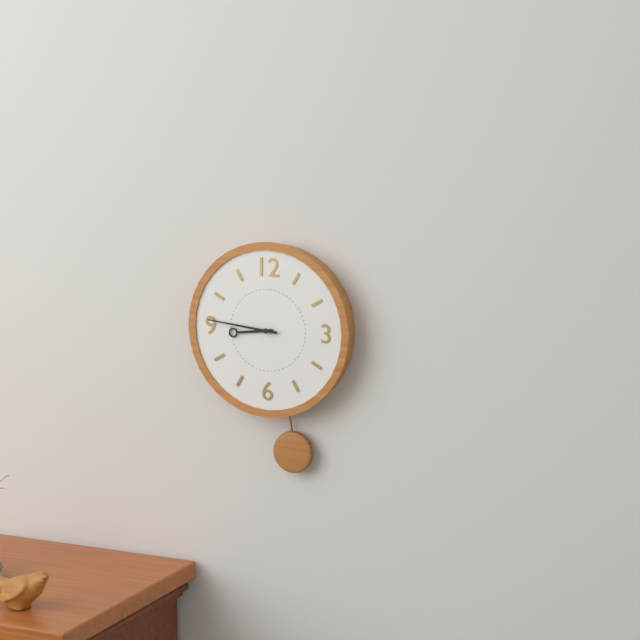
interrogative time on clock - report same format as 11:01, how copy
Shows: 8:46
